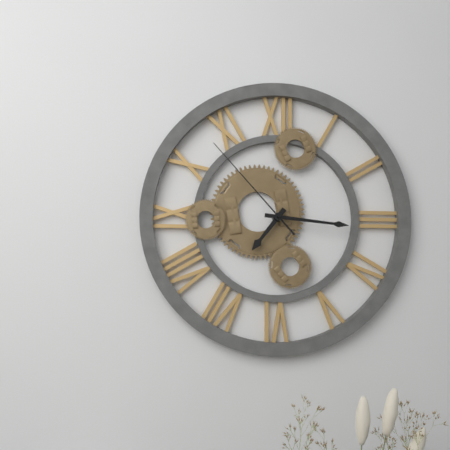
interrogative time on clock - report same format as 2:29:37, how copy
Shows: 7:16:53
